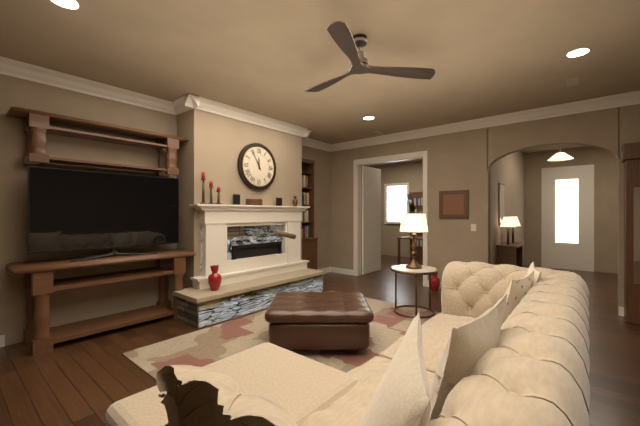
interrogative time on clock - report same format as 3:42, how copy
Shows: 11:55
